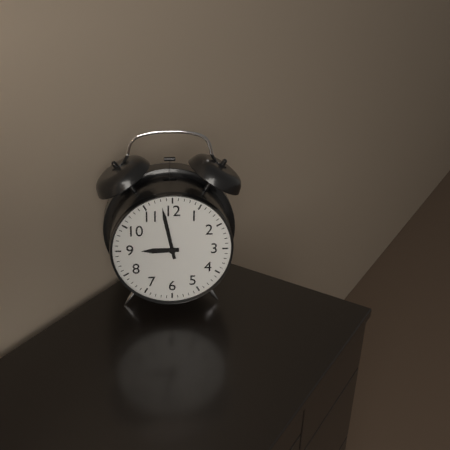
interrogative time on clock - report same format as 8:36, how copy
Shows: 8:58
